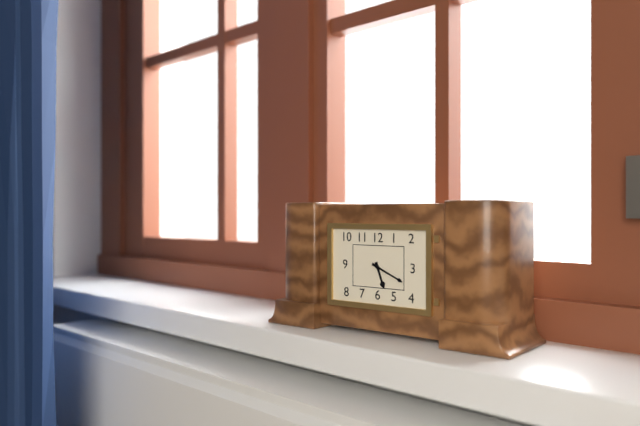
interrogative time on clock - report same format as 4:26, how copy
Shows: 5:19
